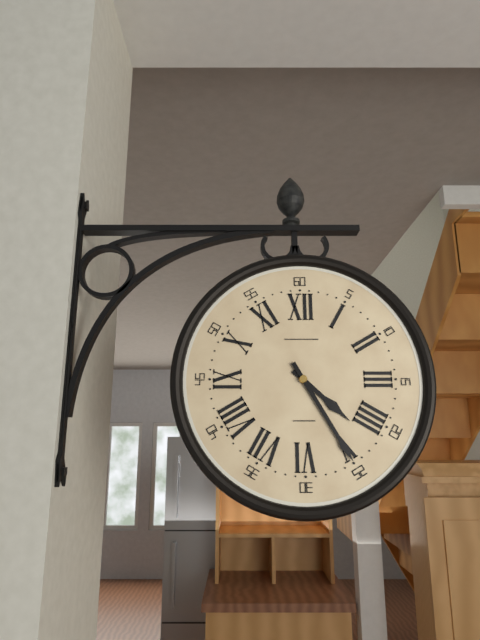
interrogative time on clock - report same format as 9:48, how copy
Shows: 4:25
